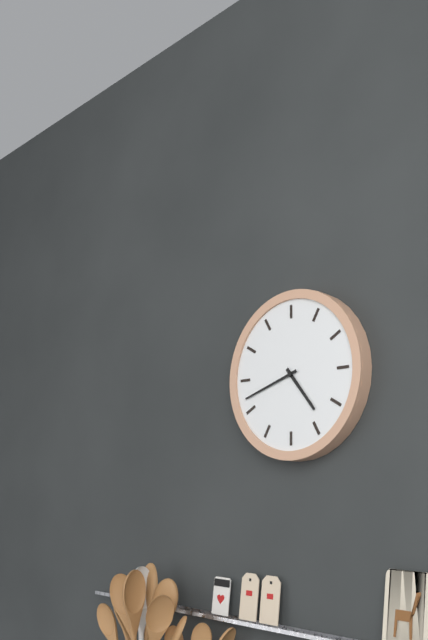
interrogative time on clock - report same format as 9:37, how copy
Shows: 4:42
